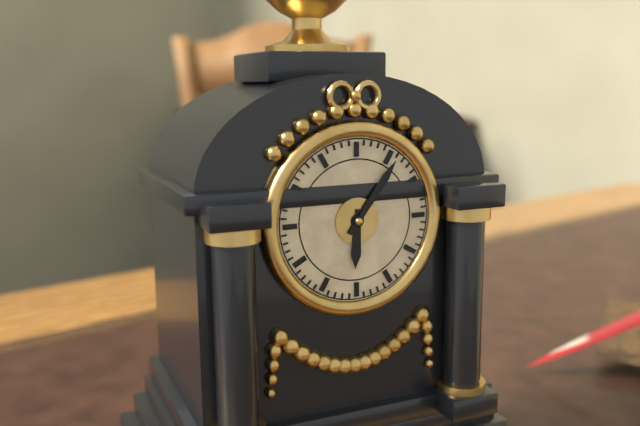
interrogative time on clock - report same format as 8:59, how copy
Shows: 6:06
